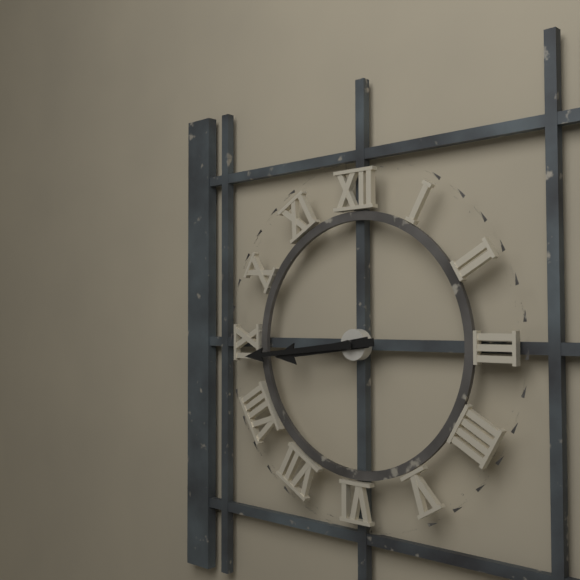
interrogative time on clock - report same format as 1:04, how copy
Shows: 8:44
